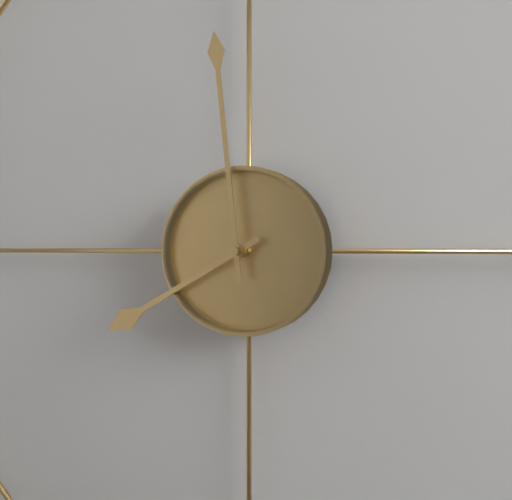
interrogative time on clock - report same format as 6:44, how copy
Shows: 7:59
